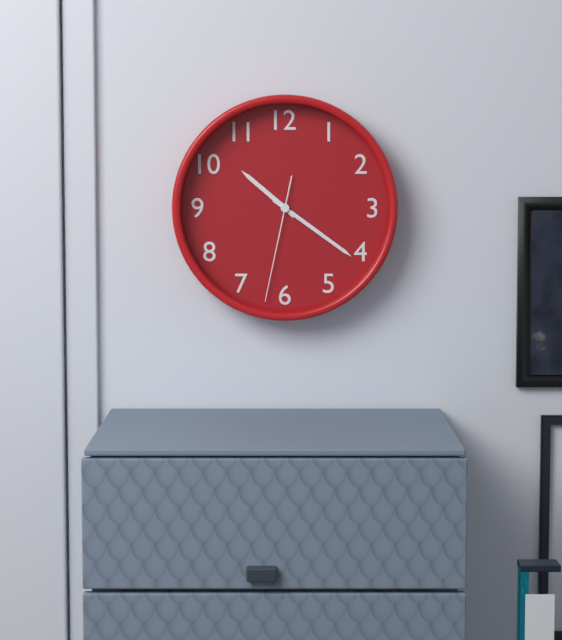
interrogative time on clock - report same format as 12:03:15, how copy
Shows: 10:21:32
